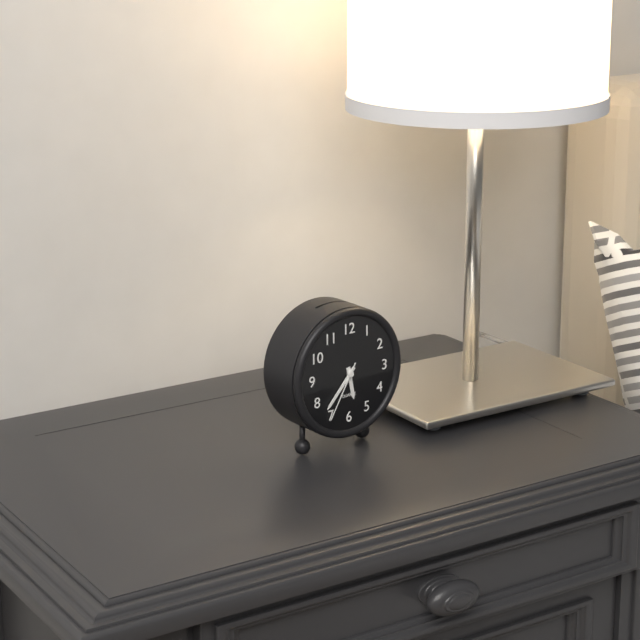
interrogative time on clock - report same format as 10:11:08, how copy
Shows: 5:37:35
